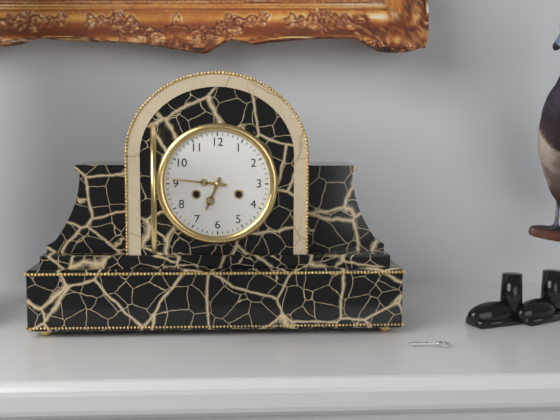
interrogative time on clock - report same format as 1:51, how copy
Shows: 6:46
